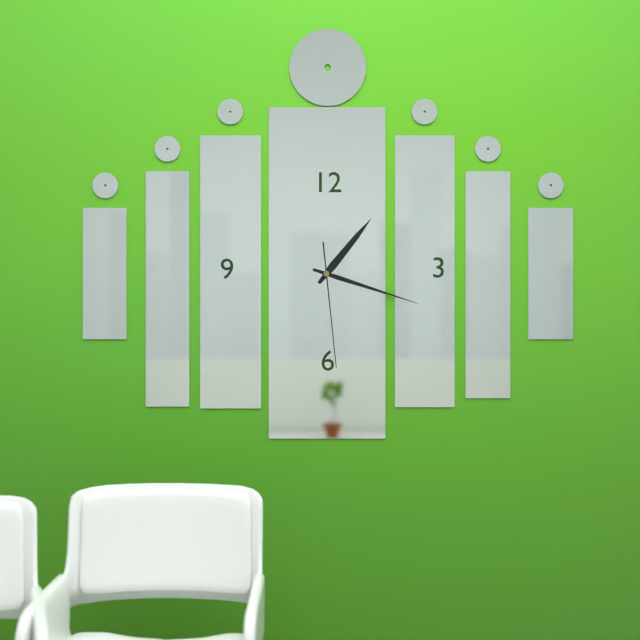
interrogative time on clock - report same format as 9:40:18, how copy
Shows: 1:18:29
